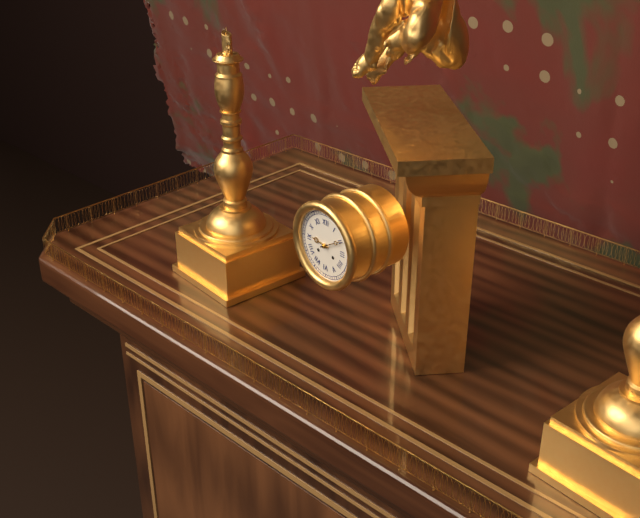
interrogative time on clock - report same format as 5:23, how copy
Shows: 9:10
